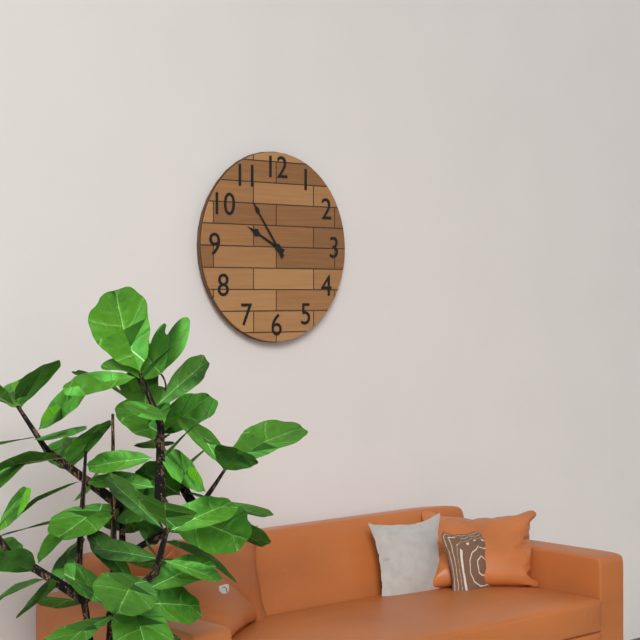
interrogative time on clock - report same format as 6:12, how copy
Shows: 9:54
